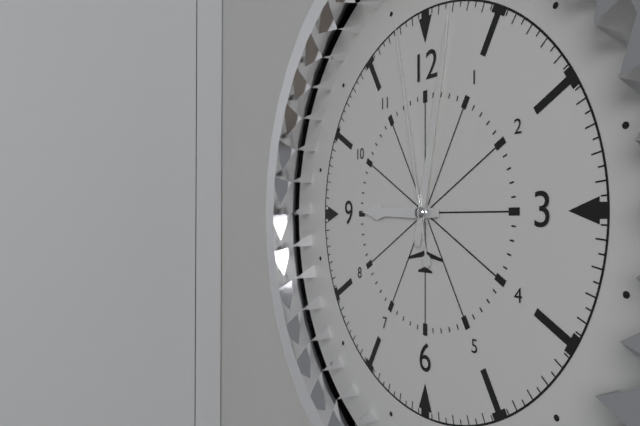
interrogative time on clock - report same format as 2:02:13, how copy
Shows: 9:02:58
